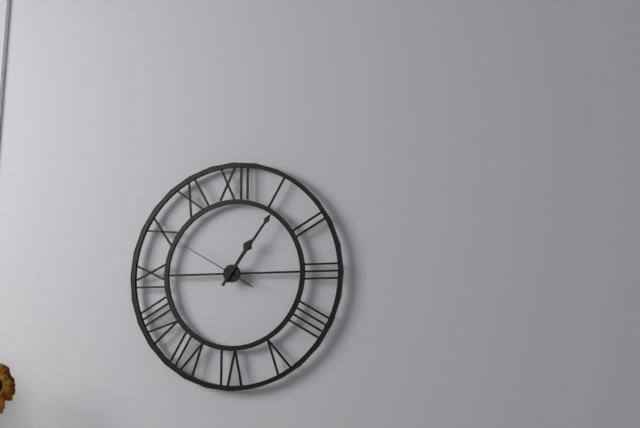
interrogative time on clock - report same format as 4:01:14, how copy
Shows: 1:06:50
